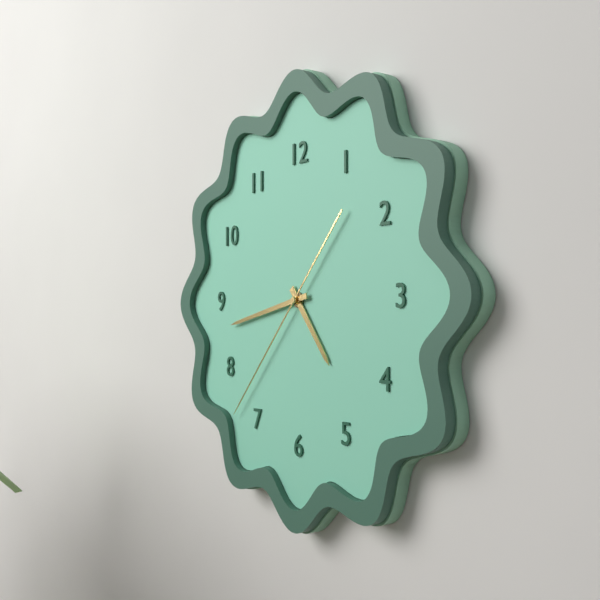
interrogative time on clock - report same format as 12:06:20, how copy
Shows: 4:43:37
